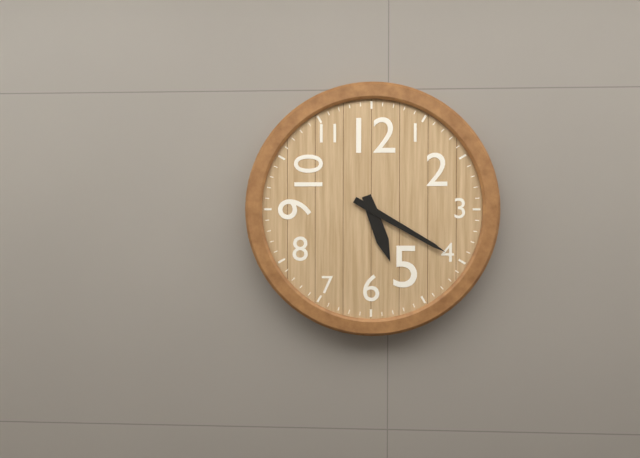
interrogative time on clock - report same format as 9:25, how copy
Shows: 5:20
